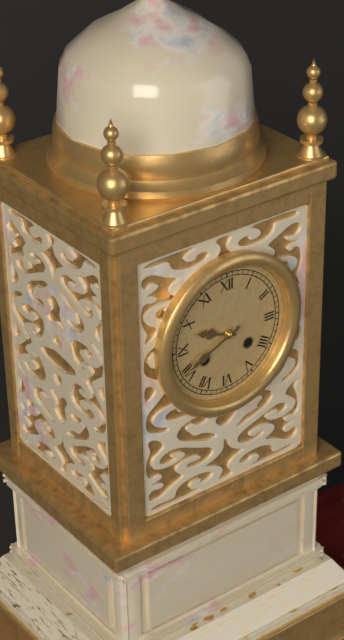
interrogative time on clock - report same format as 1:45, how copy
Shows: 9:41
